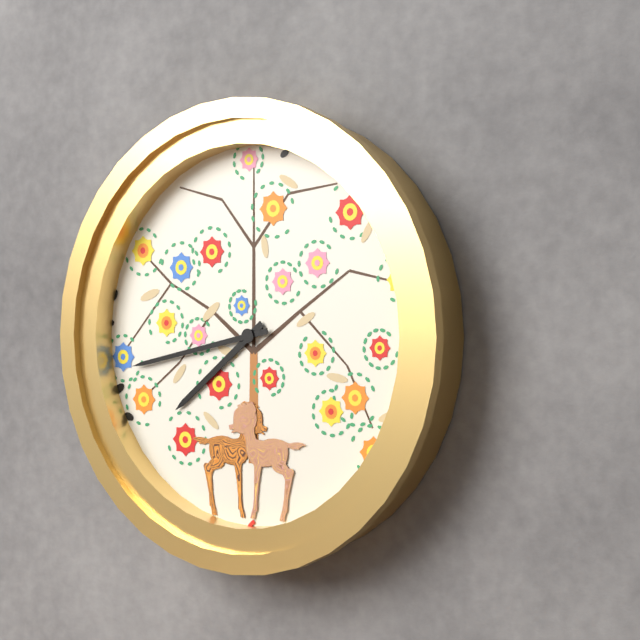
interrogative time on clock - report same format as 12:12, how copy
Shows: 7:43
